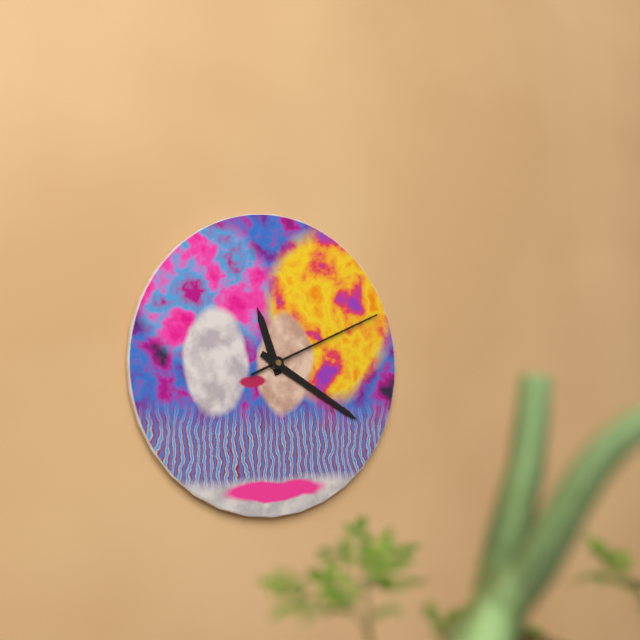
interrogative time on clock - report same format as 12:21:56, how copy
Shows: 11:20:11
